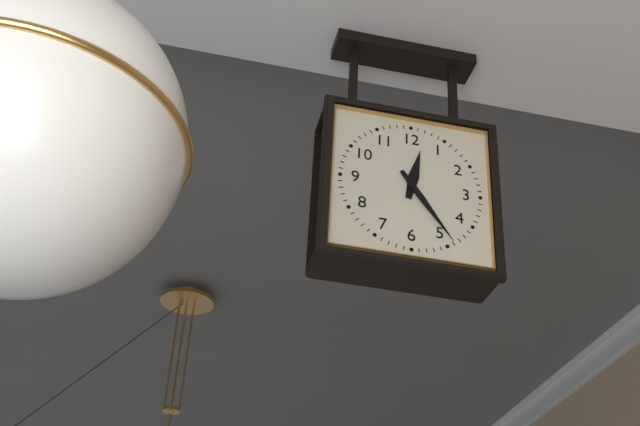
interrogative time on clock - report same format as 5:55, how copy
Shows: 12:24
